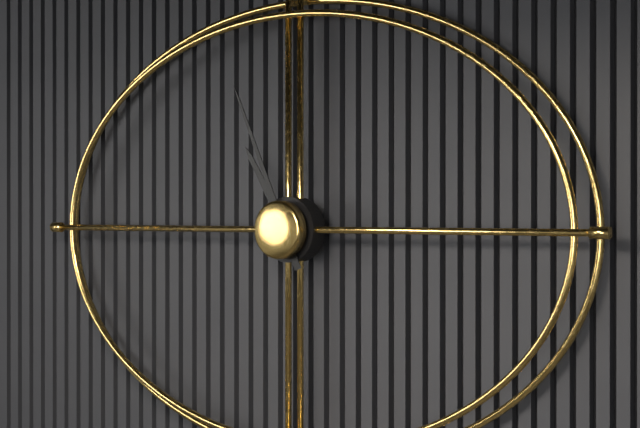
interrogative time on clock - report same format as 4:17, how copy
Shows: 10:56
